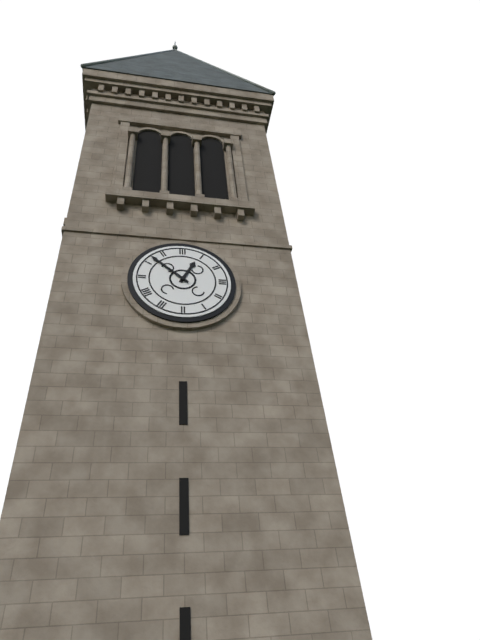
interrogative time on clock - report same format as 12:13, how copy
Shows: 12:52
